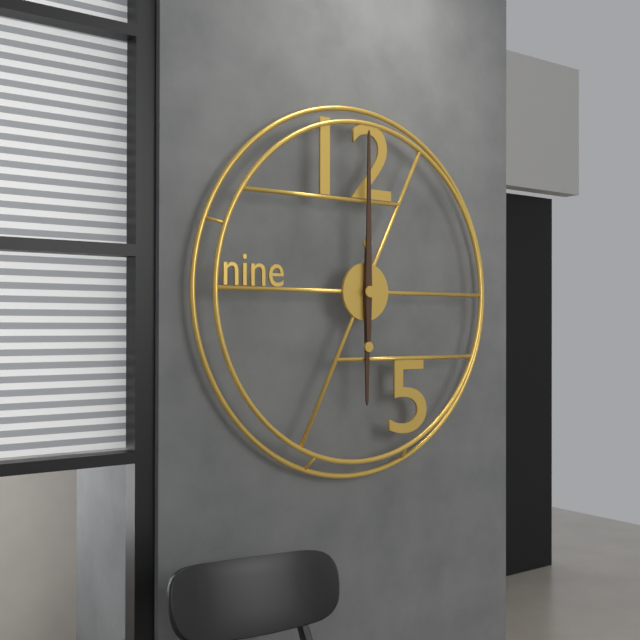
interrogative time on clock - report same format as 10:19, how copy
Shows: 6:00
